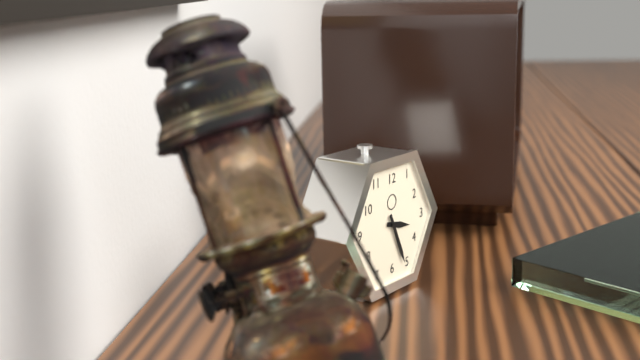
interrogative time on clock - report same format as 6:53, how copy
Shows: 3:26
